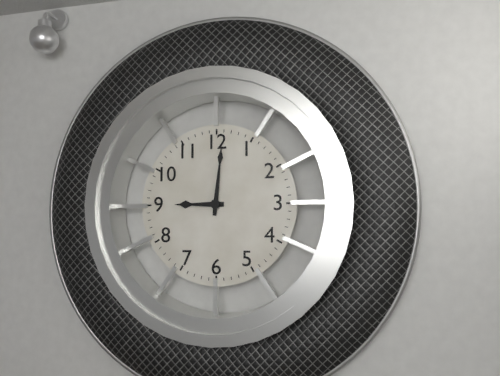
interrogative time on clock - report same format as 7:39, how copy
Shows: 9:01
